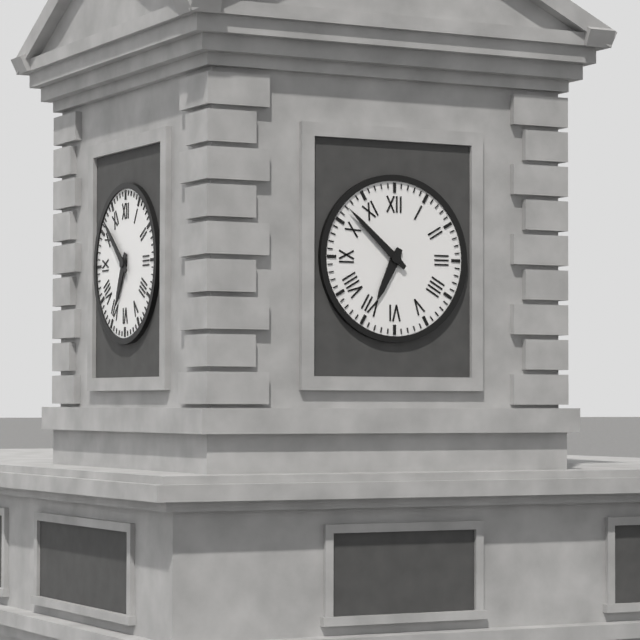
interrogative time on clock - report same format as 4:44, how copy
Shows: 6:52
